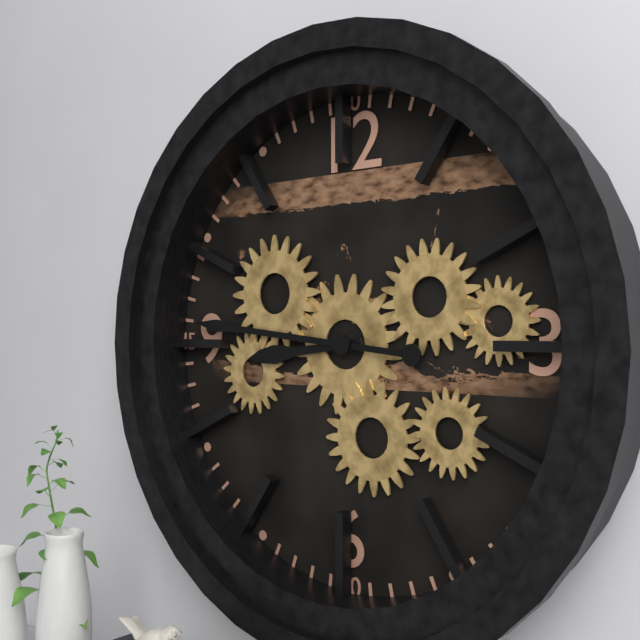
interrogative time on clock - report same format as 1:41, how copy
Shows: 8:46
